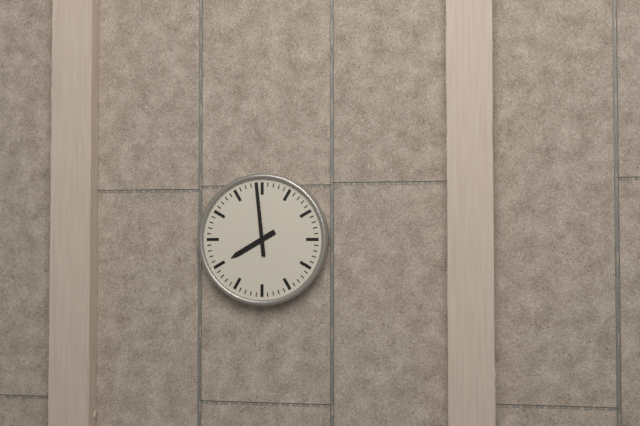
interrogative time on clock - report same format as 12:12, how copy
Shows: 7:59
